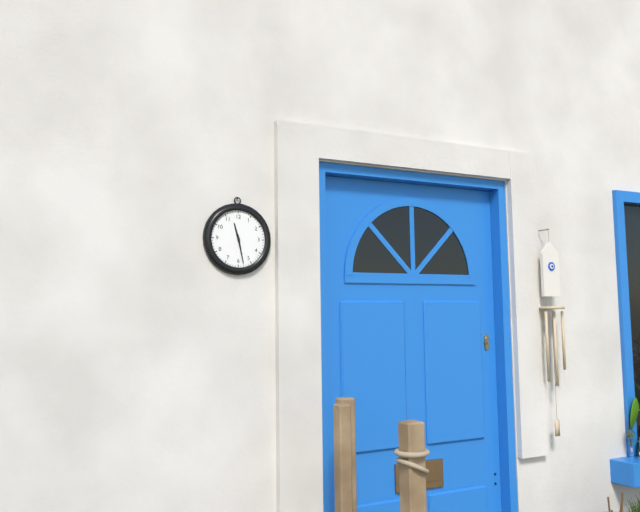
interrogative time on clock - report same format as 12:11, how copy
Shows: 11:28
